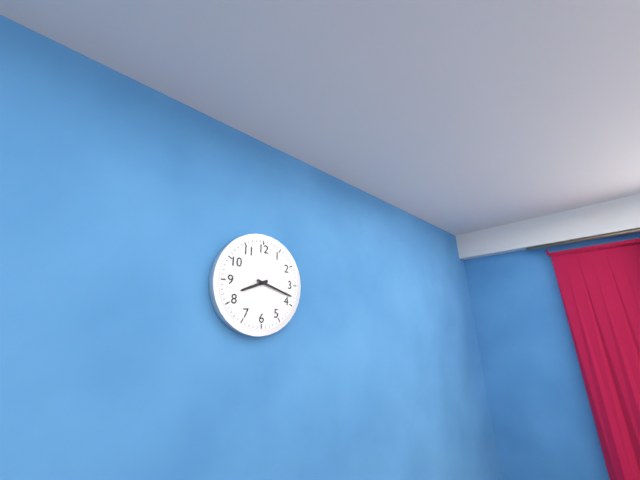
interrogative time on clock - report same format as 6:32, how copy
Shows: 8:18
